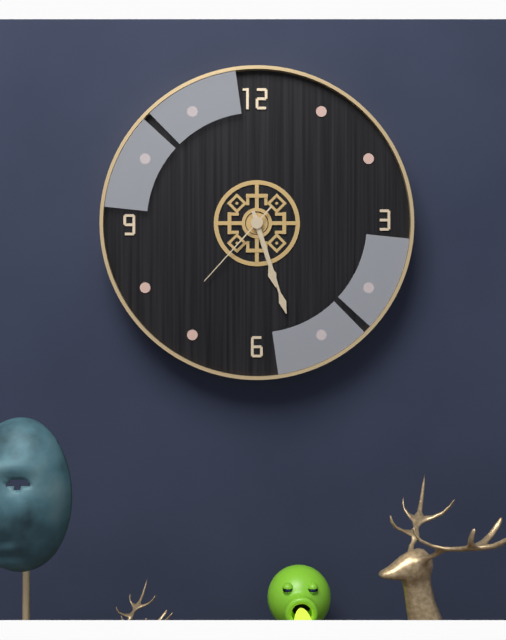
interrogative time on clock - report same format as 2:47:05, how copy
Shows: 5:27:37
